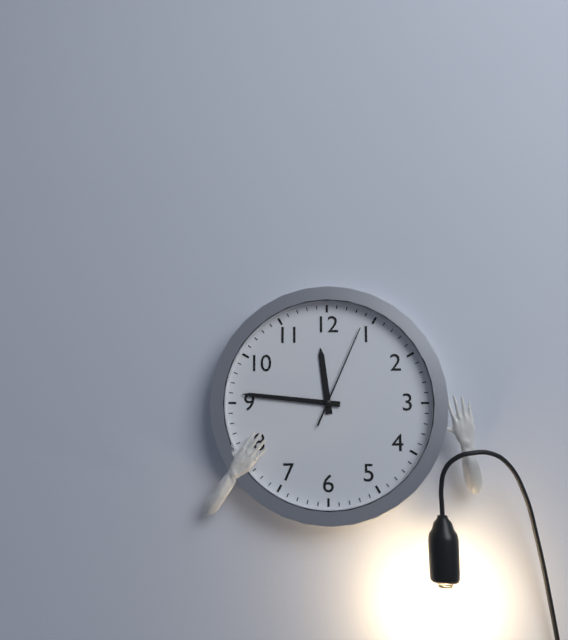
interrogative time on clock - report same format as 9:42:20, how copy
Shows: 11:46:04
